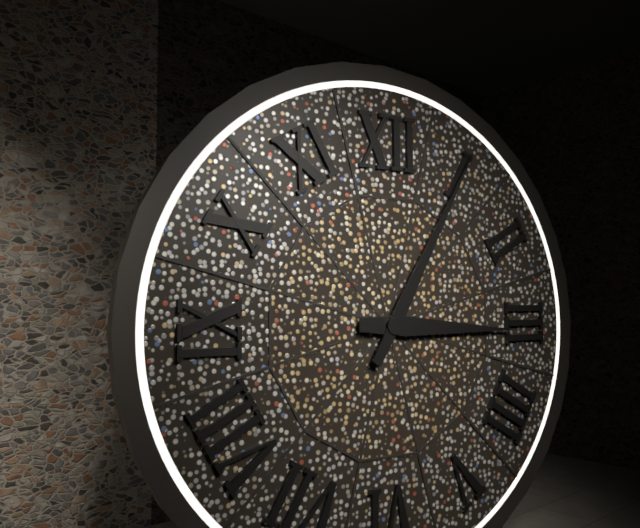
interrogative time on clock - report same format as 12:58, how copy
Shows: 3:05
